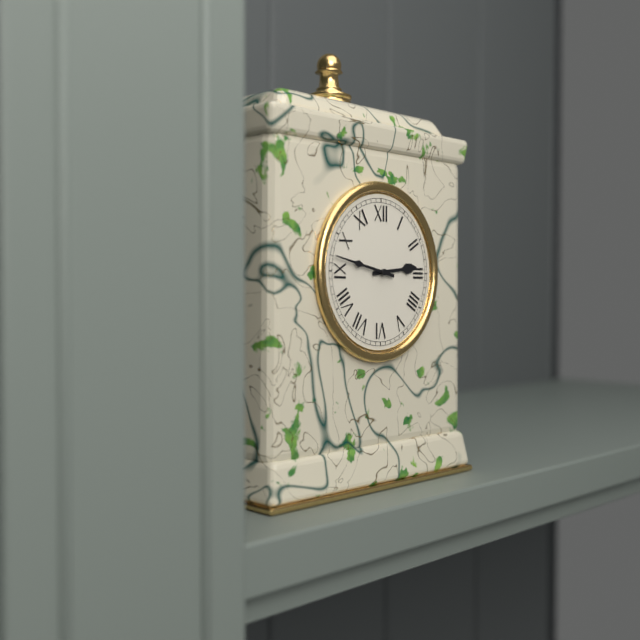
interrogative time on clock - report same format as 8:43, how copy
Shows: 2:47
